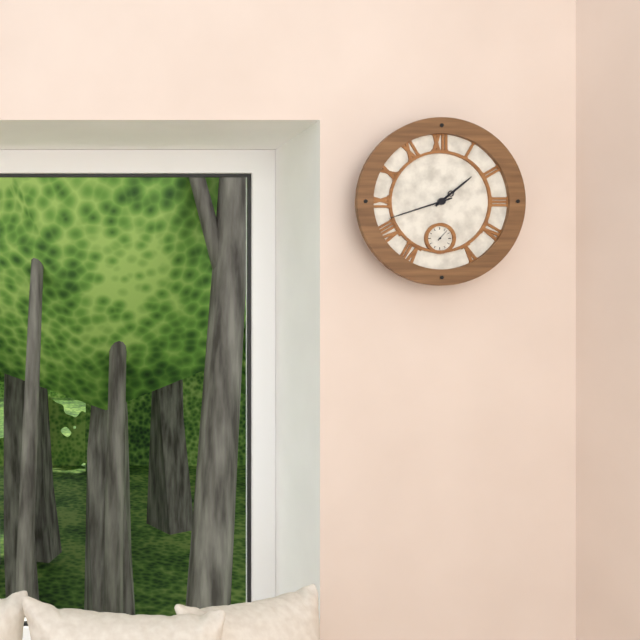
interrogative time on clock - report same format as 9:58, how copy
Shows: 1:42
